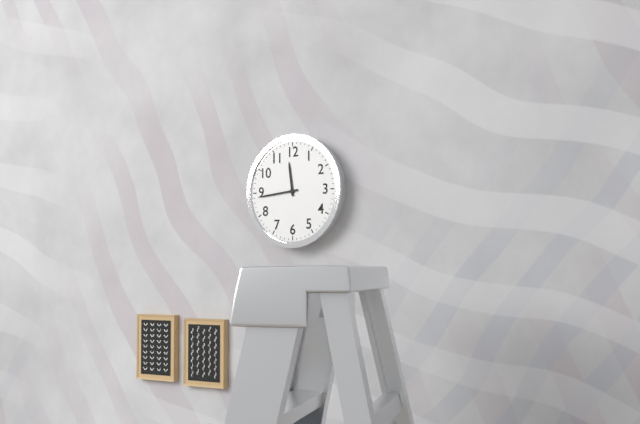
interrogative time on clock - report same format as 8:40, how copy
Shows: 11:44
